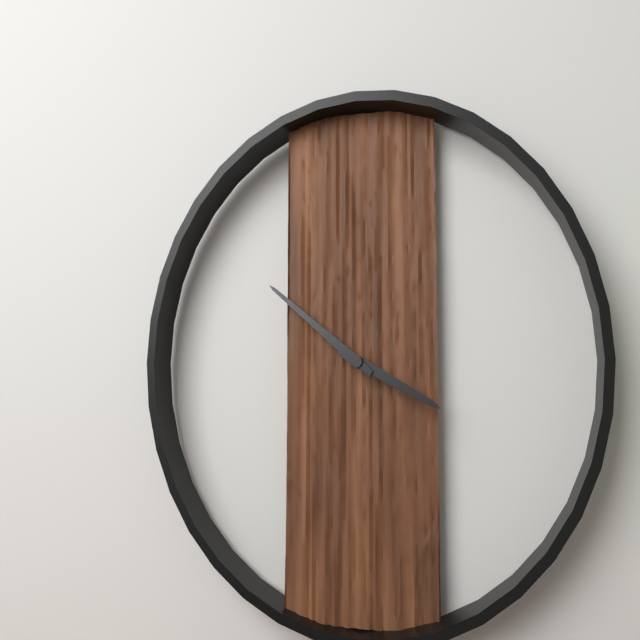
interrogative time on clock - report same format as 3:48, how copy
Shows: 3:51
